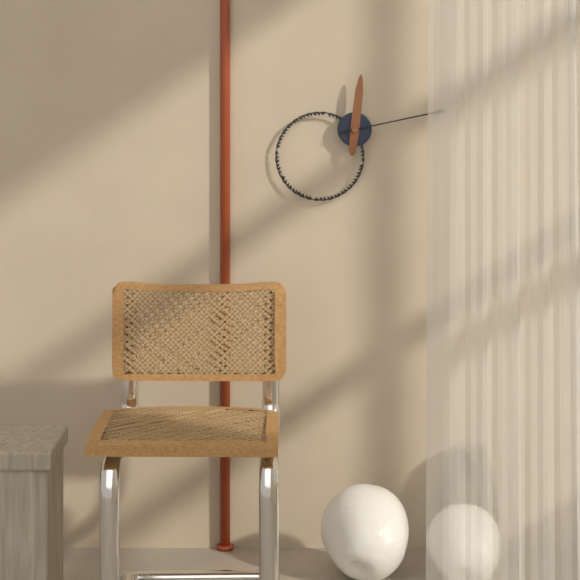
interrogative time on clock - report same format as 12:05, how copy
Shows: 12:13
